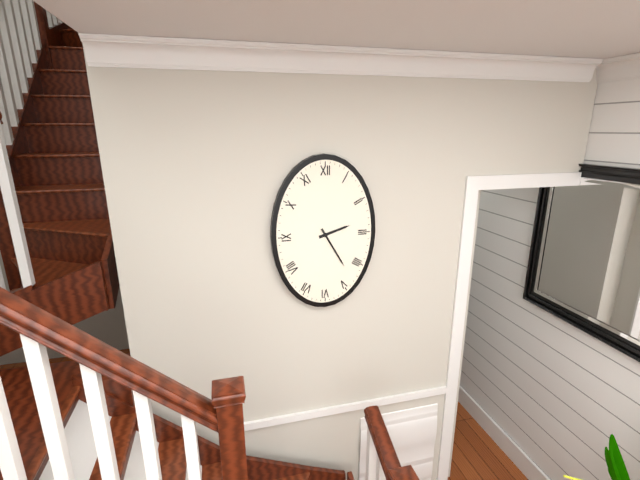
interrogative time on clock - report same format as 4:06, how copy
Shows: 2:25
